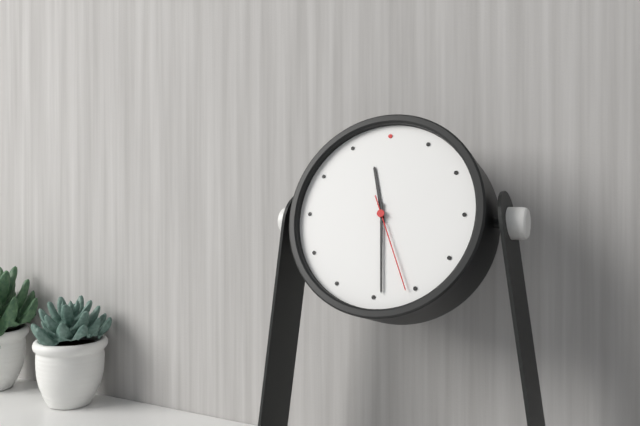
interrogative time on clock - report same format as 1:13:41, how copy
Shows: 11:29:26
